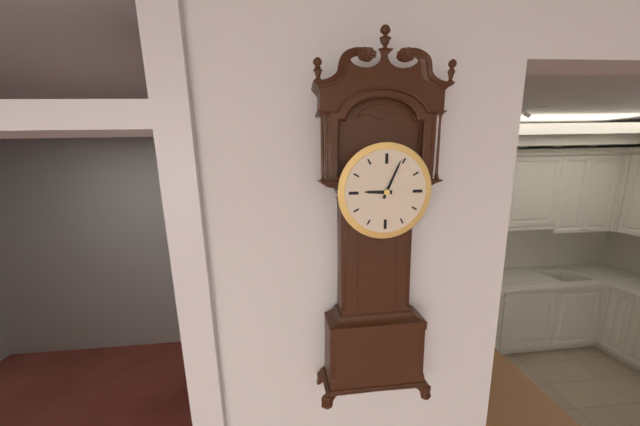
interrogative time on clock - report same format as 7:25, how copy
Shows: 9:04
